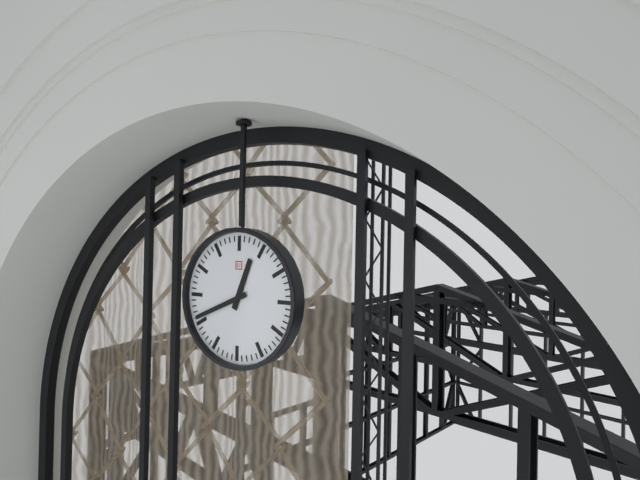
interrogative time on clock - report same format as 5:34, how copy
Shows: 12:41
